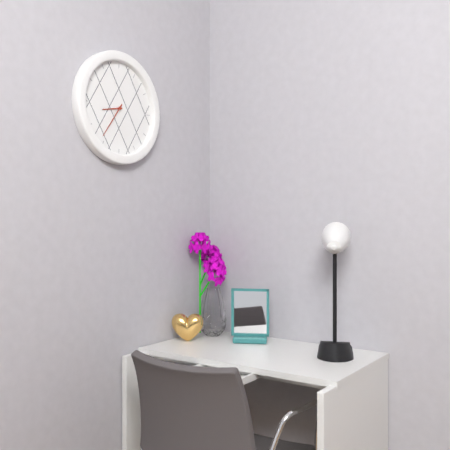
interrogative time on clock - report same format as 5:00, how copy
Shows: 8:36
